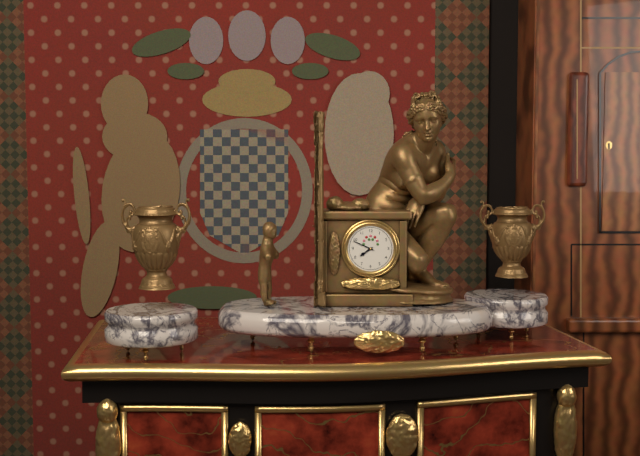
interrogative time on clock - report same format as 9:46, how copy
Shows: 7:49
